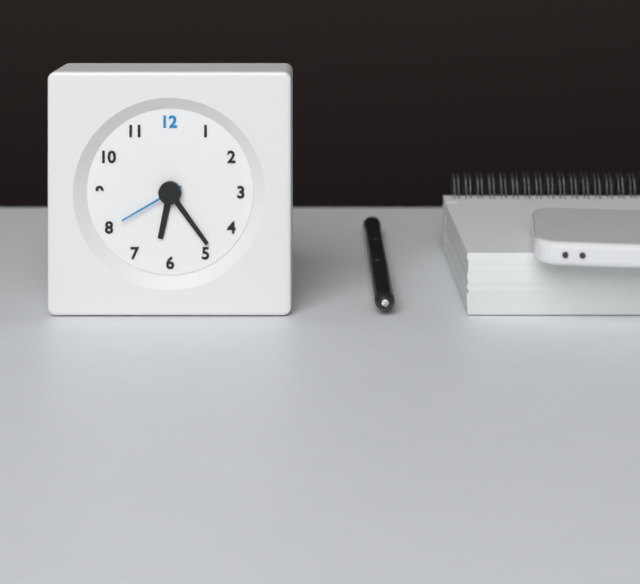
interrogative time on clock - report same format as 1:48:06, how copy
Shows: 6:24:40
